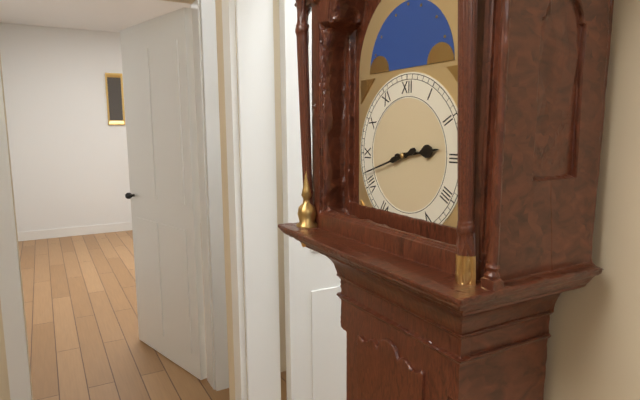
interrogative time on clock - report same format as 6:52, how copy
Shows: 2:42
